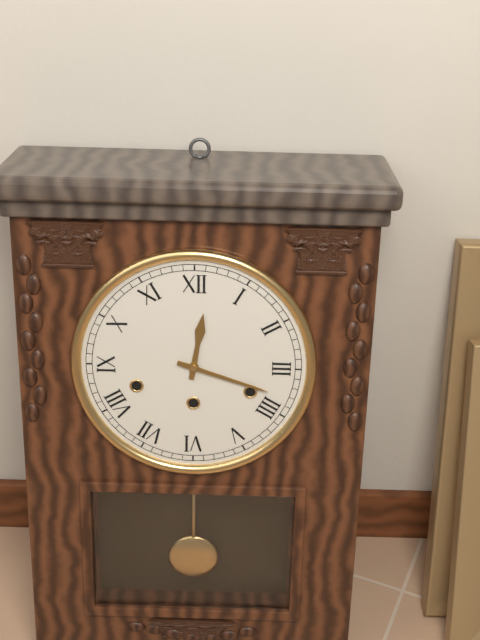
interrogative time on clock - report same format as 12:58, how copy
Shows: 12:18
